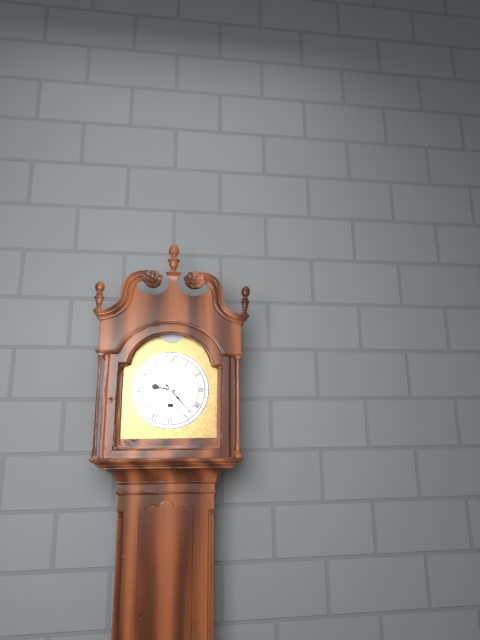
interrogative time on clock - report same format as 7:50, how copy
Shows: 9:23
